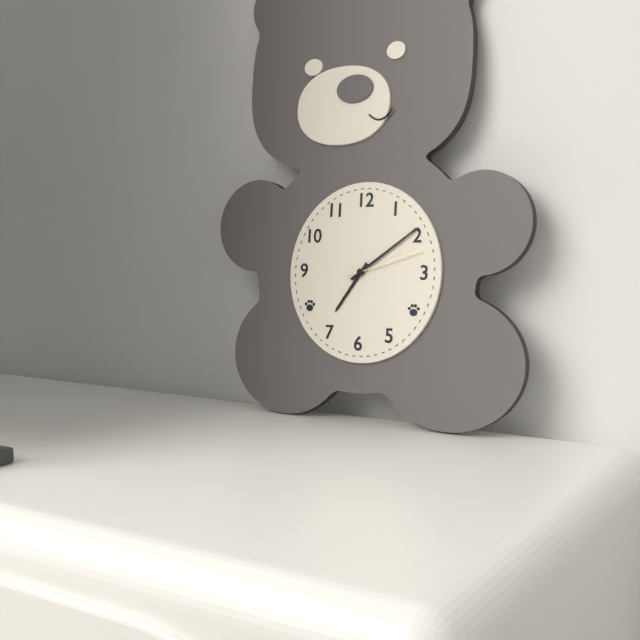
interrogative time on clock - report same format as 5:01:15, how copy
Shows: 7:09:12
